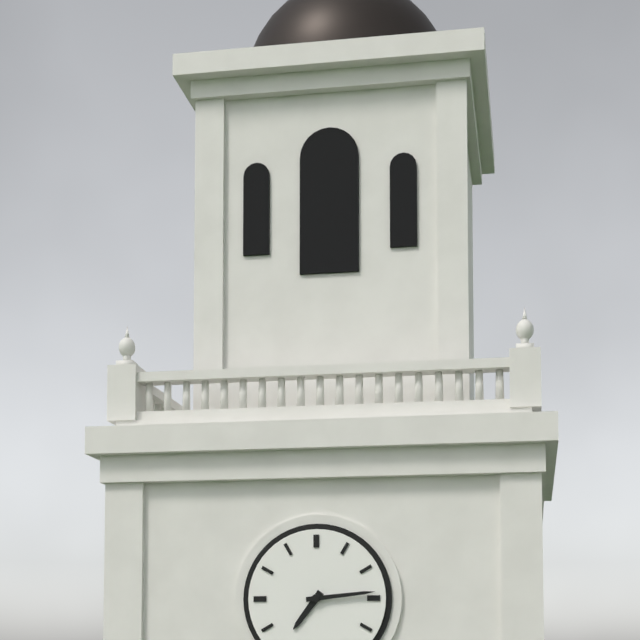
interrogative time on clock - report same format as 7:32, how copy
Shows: 7:14
